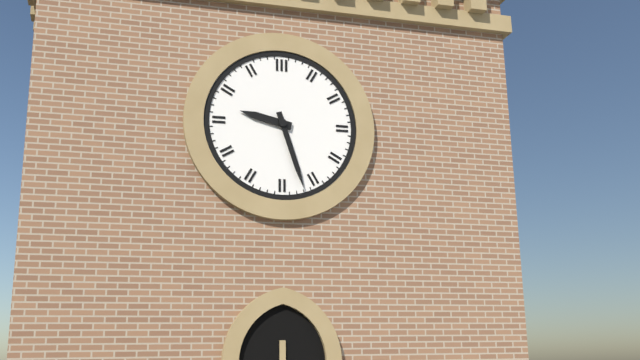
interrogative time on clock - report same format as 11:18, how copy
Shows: 9:27
